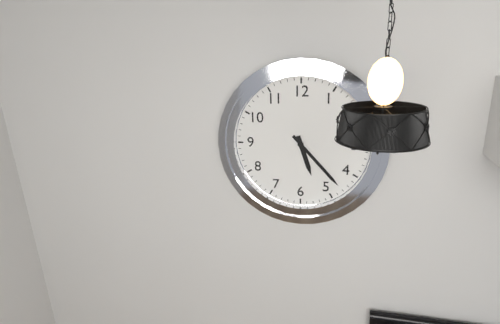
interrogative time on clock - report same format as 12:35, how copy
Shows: 5:23
